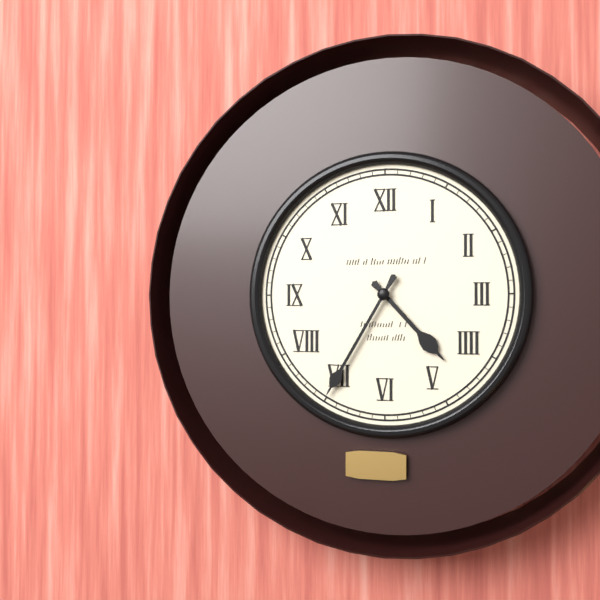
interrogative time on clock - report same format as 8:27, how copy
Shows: 4:35
